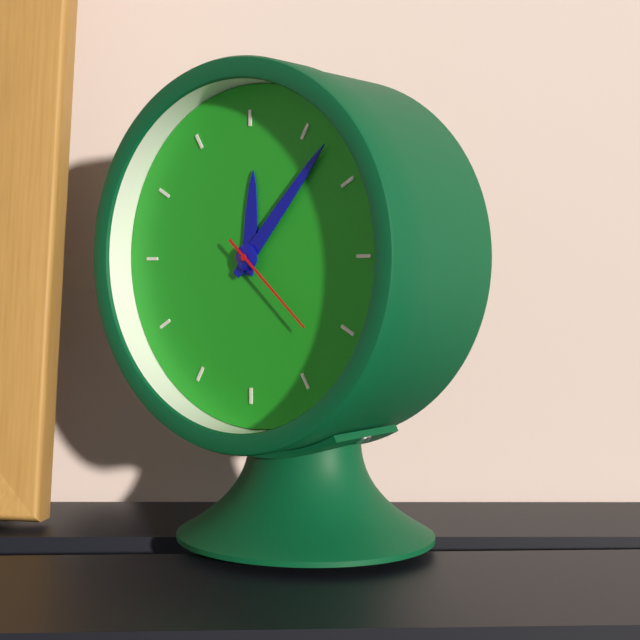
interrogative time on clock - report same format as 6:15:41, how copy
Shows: 12:07:22
